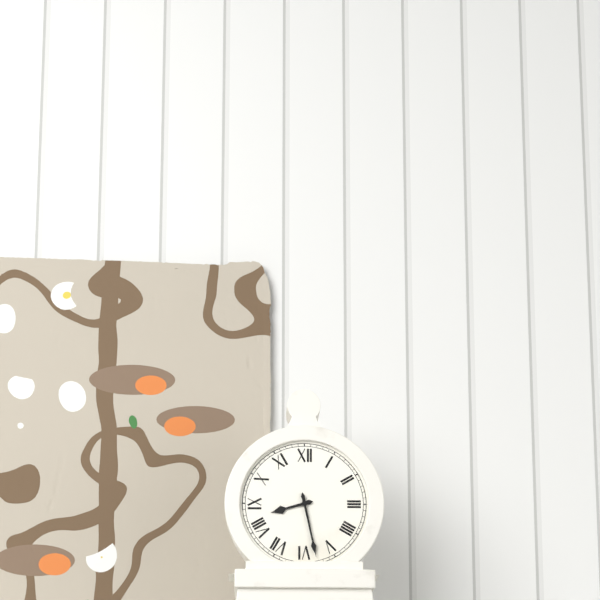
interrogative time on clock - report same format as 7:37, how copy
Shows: 8:28
